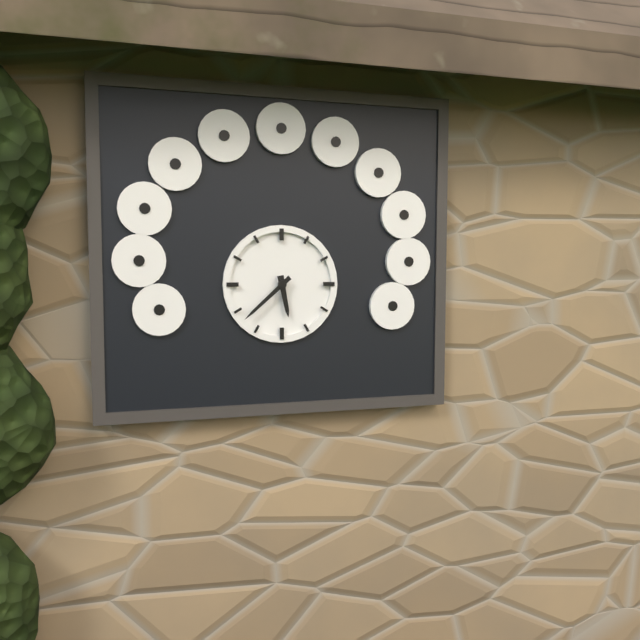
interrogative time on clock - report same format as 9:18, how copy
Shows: 5:38
